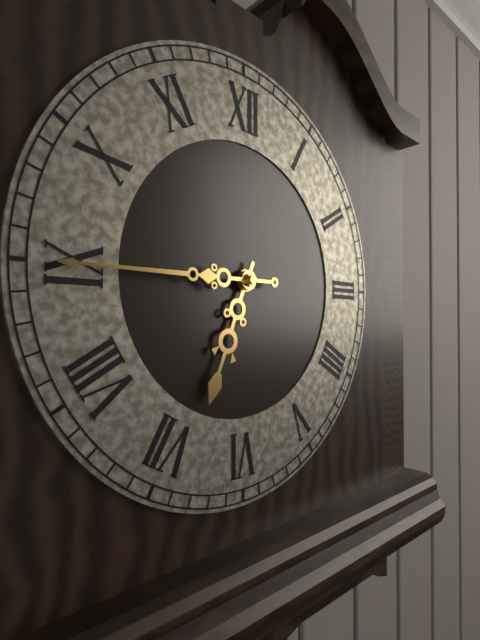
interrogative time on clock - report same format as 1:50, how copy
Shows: 6:45
